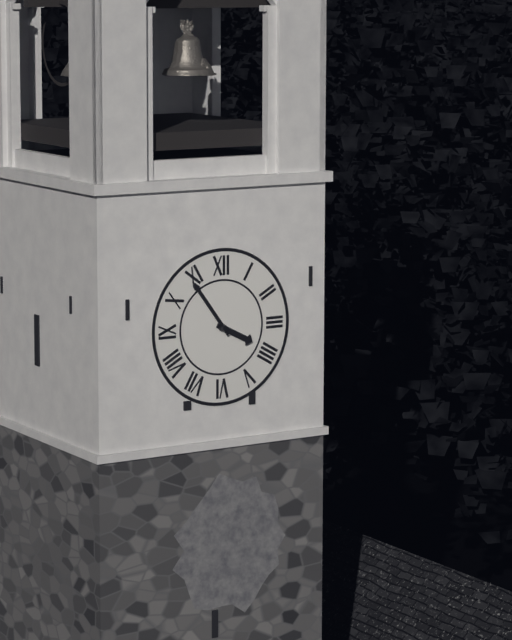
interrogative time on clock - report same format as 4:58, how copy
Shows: 3:54
